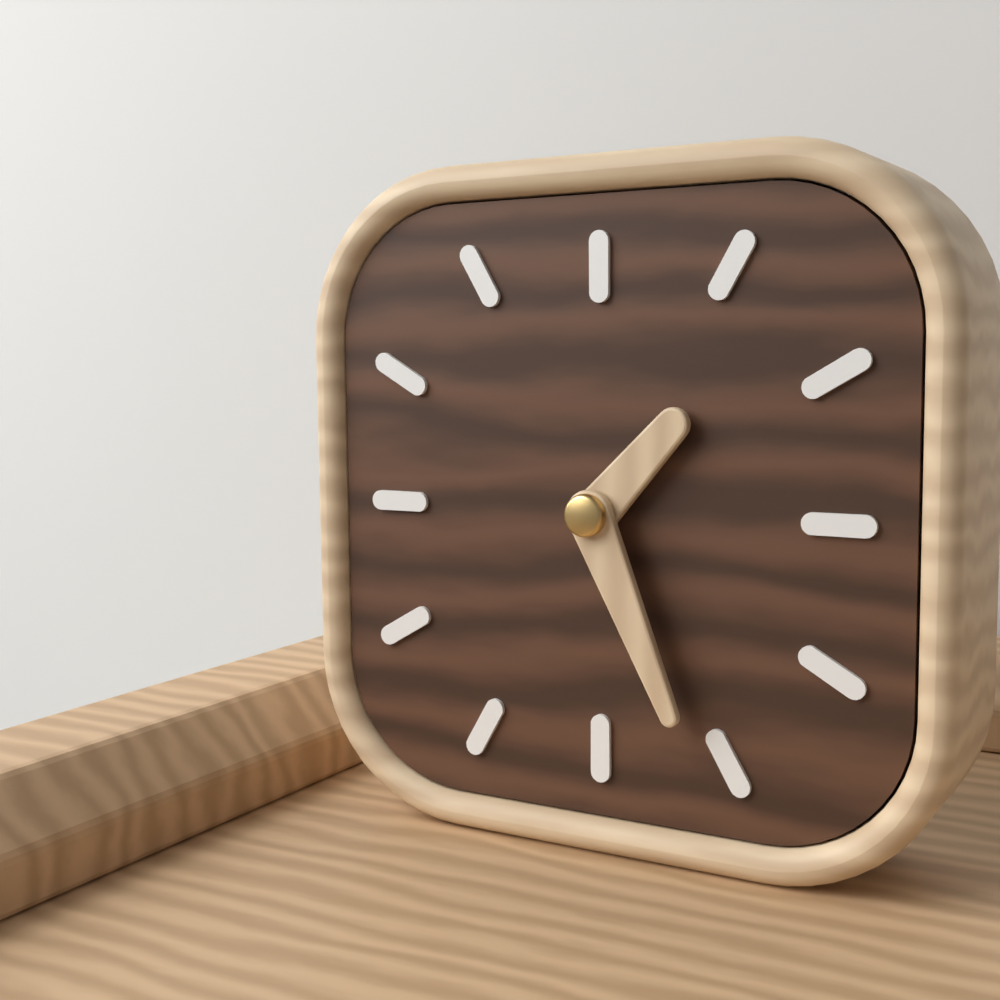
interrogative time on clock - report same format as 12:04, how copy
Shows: 1:26
